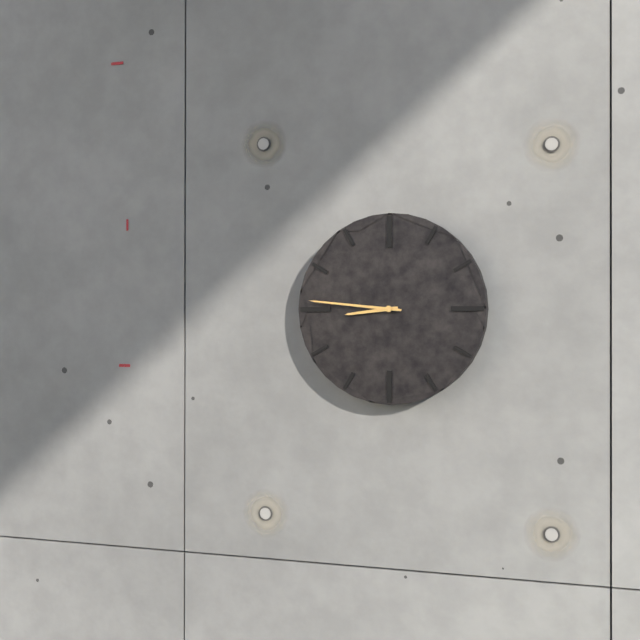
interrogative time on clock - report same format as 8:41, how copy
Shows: 8:46
